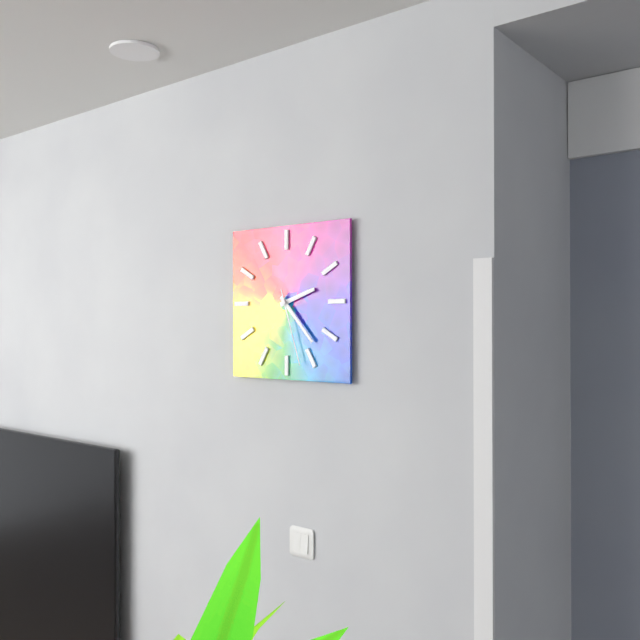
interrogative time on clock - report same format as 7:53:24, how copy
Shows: 2:23:27
